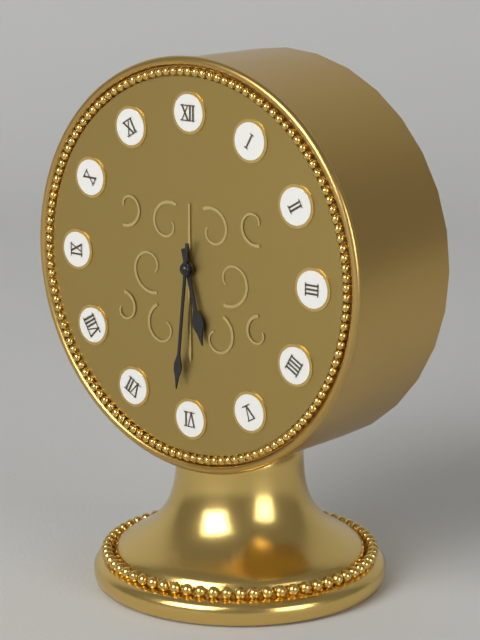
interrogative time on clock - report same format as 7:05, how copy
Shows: 5:31
